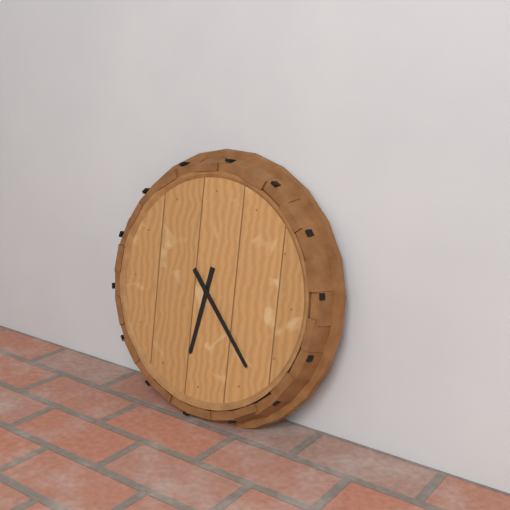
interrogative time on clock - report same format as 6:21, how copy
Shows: 6:23
